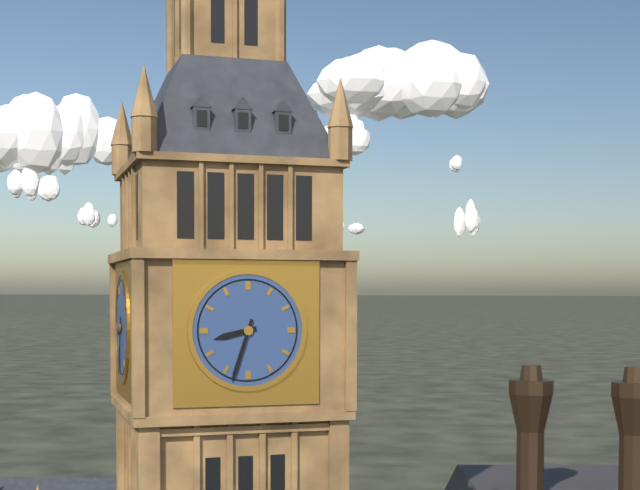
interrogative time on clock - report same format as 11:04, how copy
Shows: 8:33
